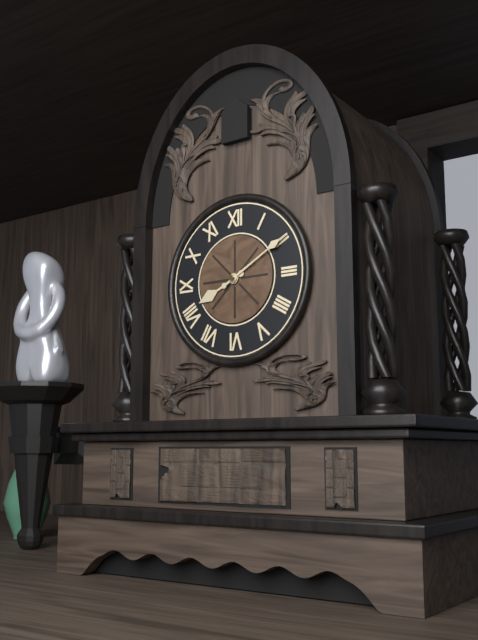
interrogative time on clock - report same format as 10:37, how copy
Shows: 8:10
